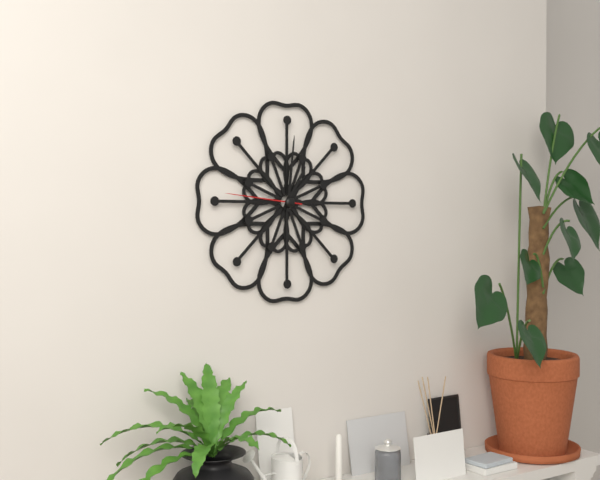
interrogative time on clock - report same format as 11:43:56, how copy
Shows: 1:01:46
